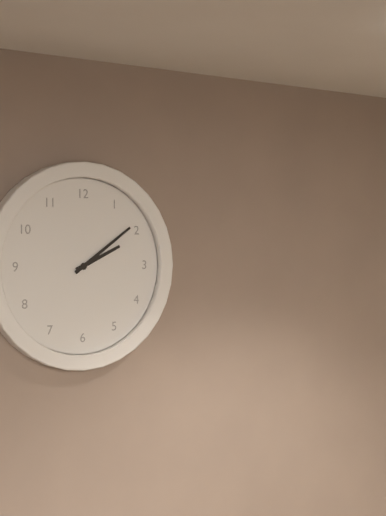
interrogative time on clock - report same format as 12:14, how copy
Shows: 2:09
